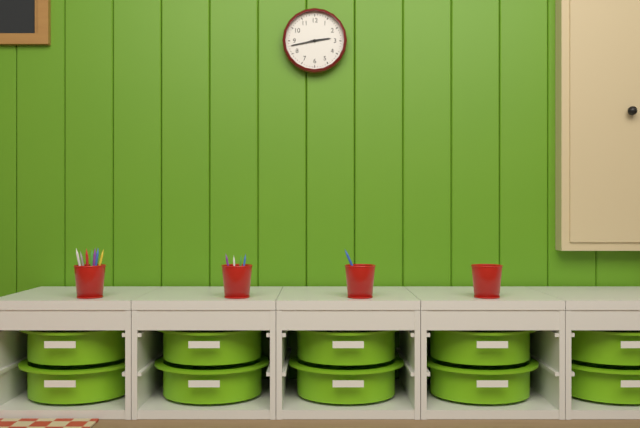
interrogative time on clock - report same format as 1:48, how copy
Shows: 2:43
